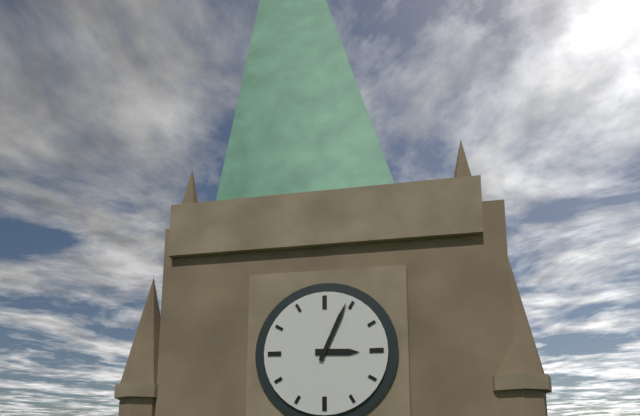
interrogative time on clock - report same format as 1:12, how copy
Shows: 3:04
